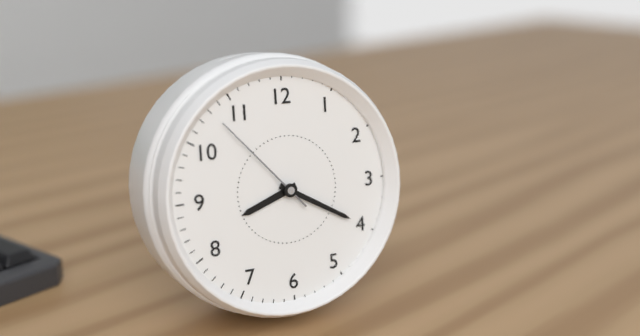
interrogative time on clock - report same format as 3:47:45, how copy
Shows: 8:20:53
